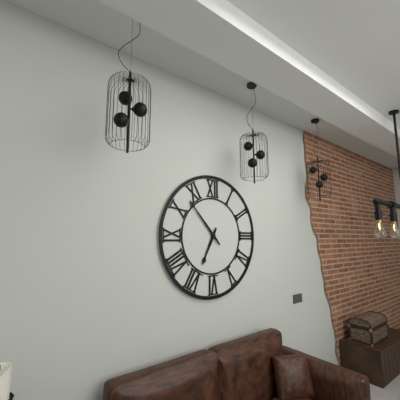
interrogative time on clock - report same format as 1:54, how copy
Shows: 6:53
